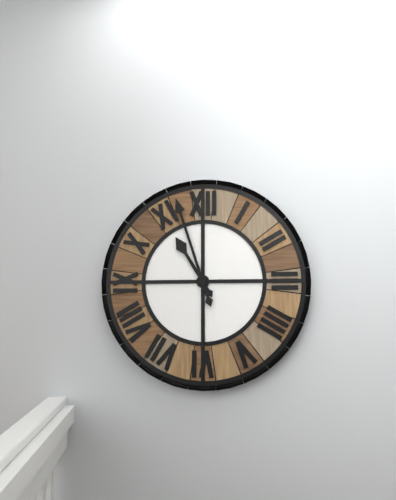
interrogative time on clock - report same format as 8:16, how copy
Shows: 10:57
